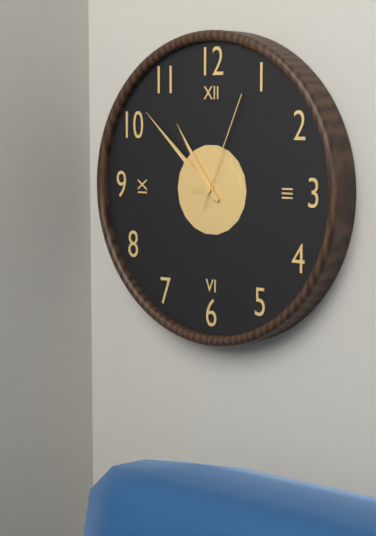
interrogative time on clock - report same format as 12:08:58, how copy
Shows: 10:52:04
